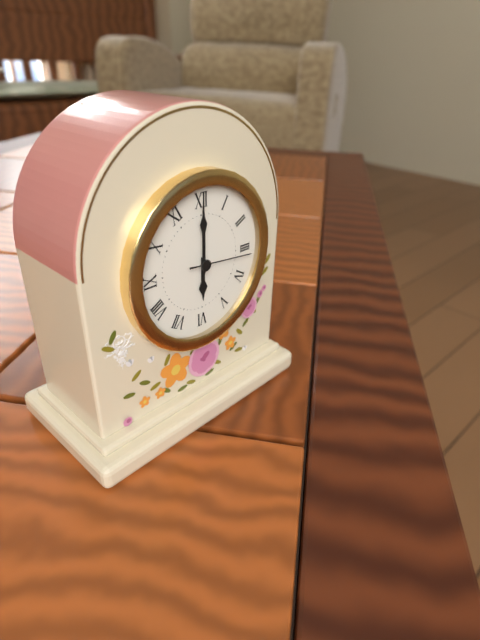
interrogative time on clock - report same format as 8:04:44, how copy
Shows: 6:00:16
